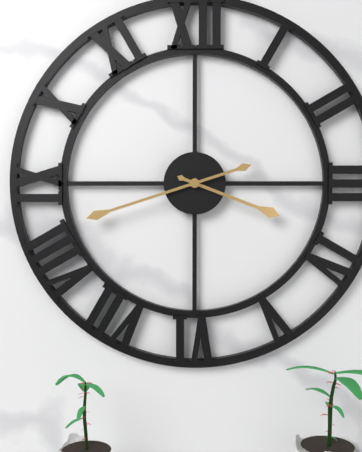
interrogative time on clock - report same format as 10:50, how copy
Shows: 3:42
